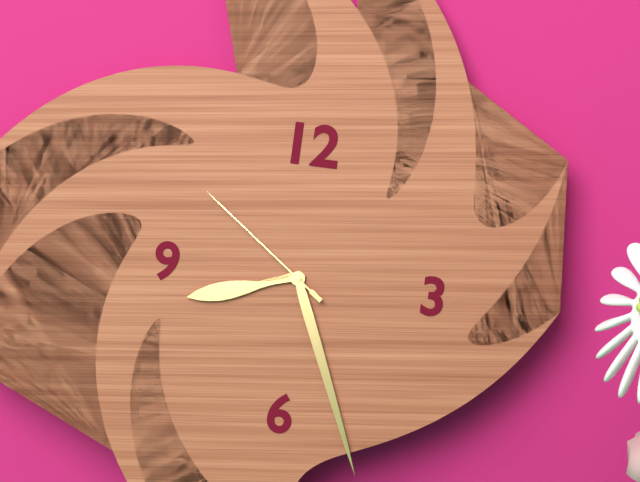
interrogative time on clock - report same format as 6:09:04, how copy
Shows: 8:26:51
